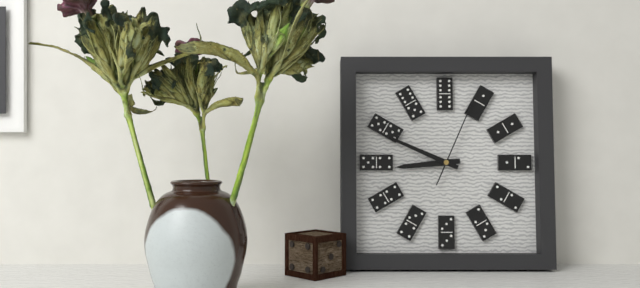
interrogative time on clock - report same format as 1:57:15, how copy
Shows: 8:49:04
